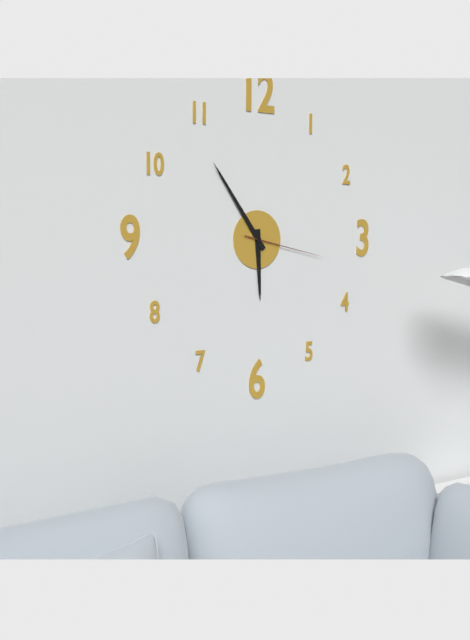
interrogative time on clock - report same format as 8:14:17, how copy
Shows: 5:54:17
